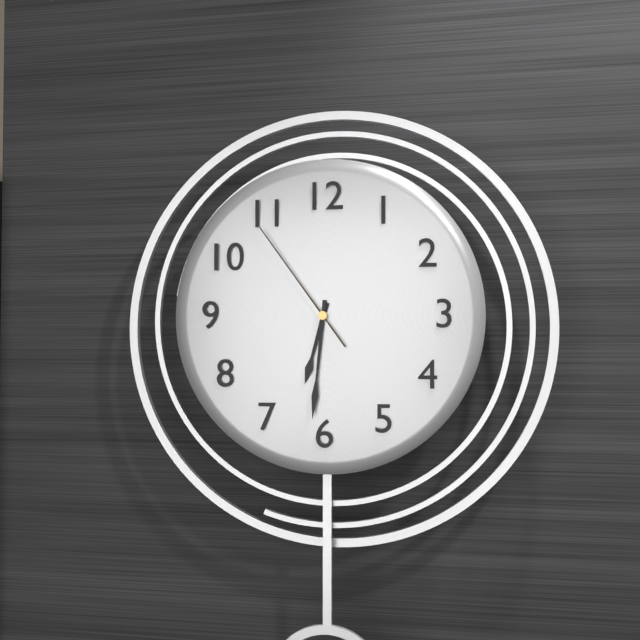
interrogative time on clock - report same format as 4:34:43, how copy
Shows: 6:31:54
